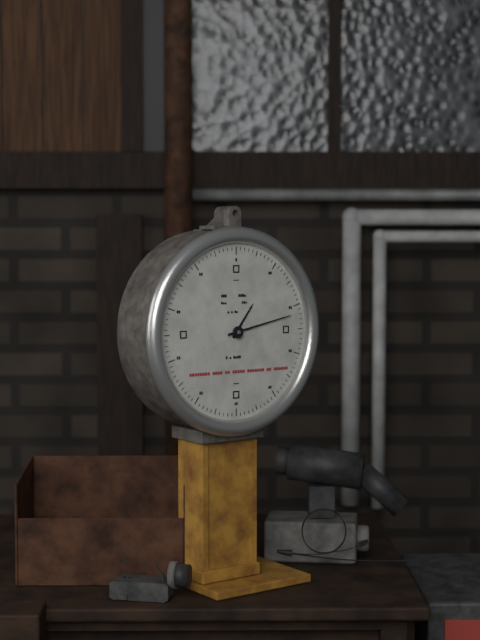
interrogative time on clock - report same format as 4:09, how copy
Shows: 1:13
